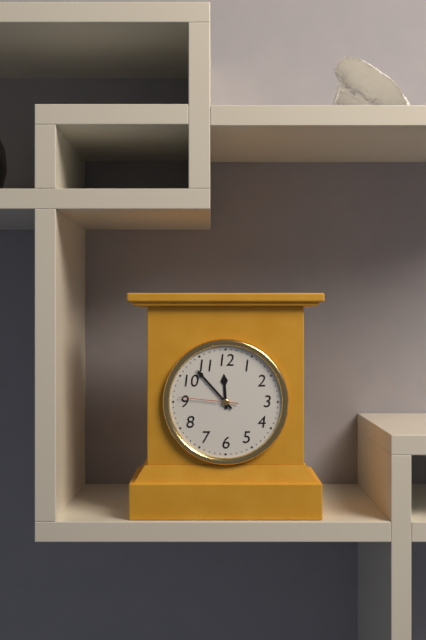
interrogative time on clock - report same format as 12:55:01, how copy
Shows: 11:53:46
